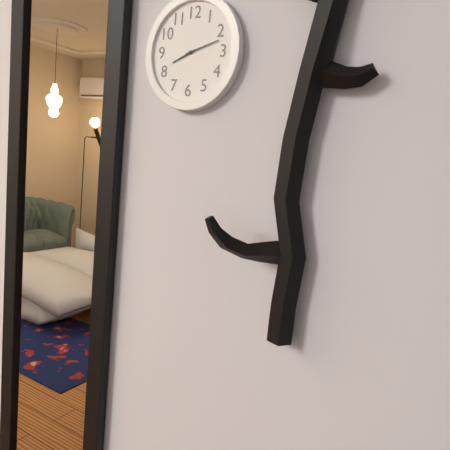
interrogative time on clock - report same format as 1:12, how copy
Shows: 8:12
